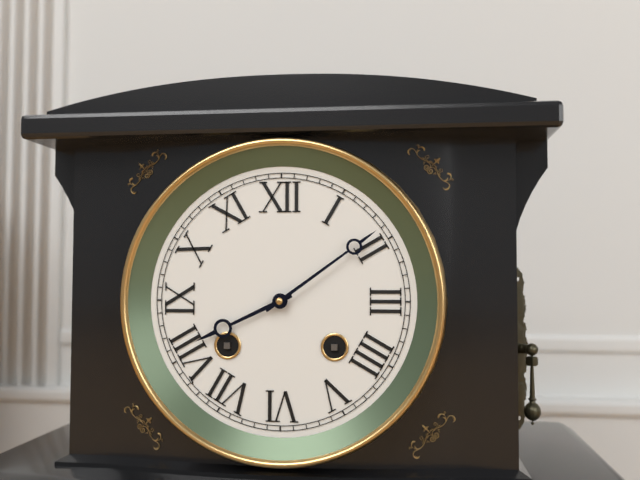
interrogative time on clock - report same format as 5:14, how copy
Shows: 8:09
